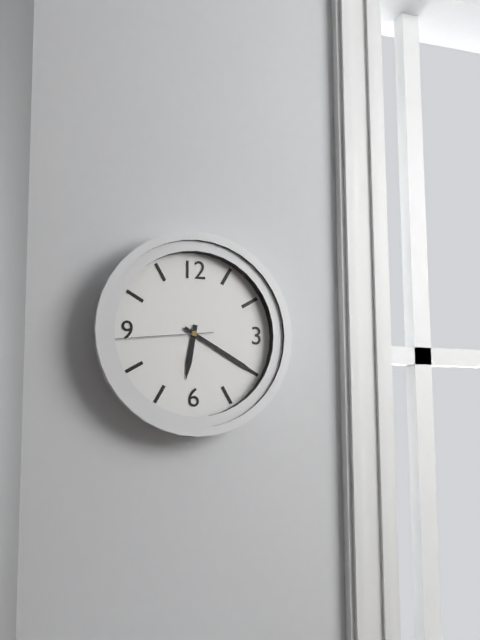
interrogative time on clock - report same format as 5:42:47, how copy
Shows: 6:20:44
